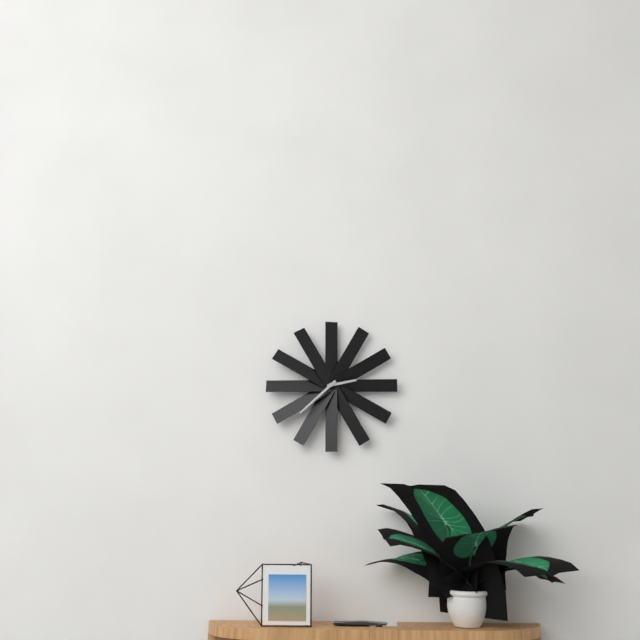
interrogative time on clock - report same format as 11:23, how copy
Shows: 2:38
